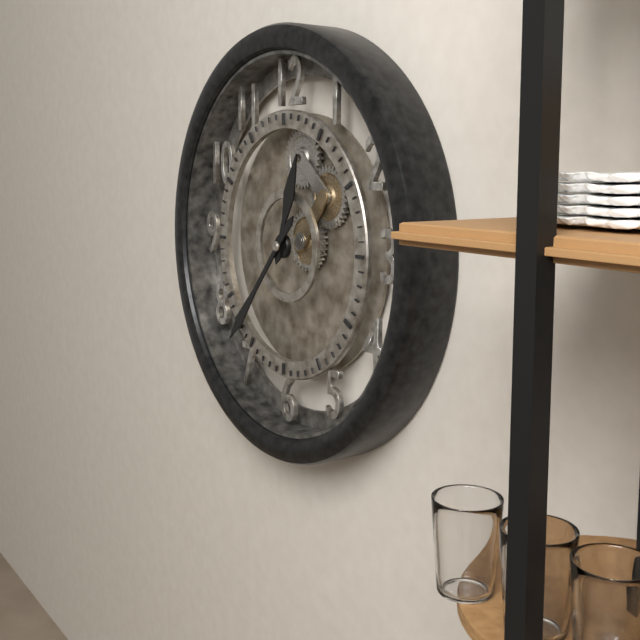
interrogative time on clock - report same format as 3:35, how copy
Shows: 12:37
